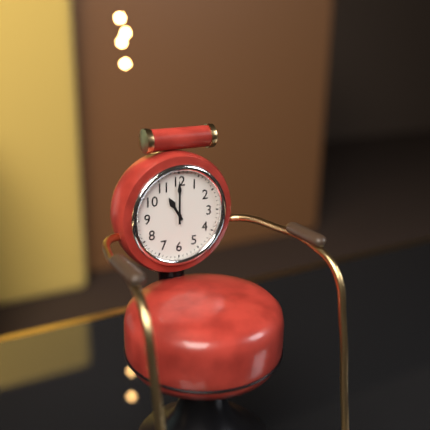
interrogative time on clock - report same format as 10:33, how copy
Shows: 11:00
